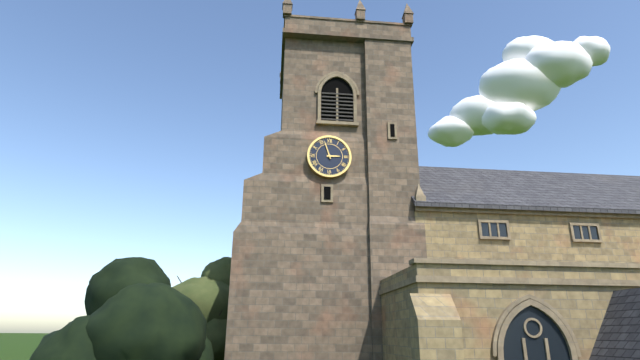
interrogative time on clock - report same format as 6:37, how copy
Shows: 2:57
